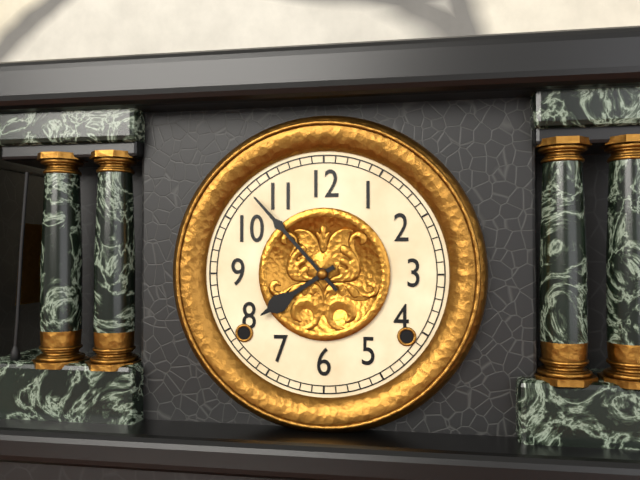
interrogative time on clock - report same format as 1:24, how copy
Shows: 7:53
